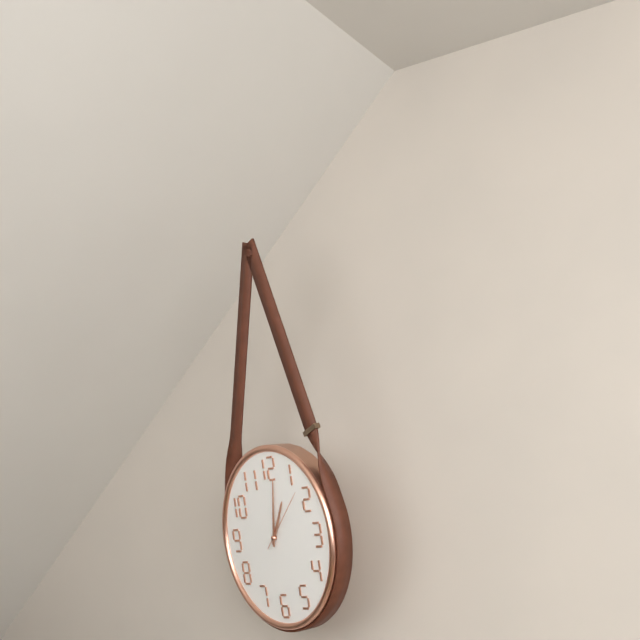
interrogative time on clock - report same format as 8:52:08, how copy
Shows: 1:02:08
